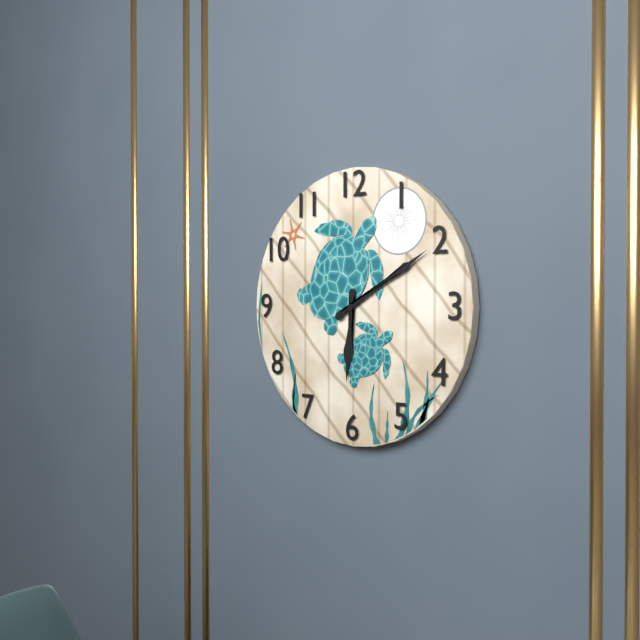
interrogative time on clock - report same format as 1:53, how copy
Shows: 6:10
